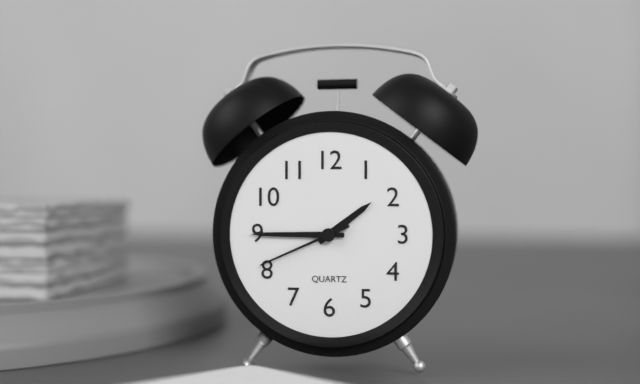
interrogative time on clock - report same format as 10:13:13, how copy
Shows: 1:45:41
